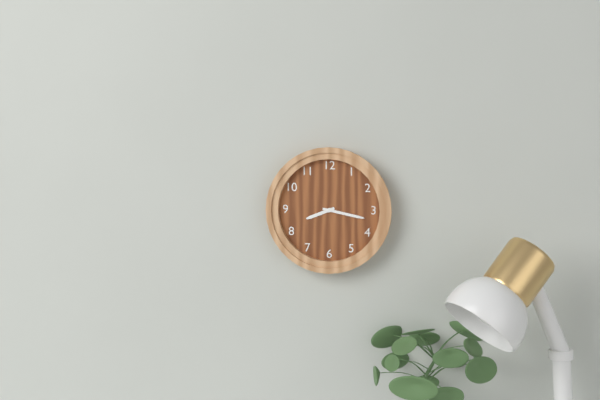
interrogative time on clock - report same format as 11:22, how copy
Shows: 8:17
